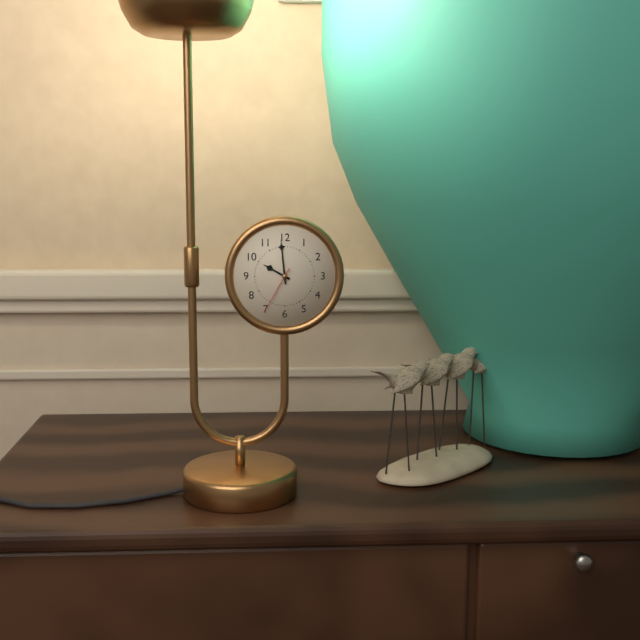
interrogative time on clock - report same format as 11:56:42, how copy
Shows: 9:59:35
